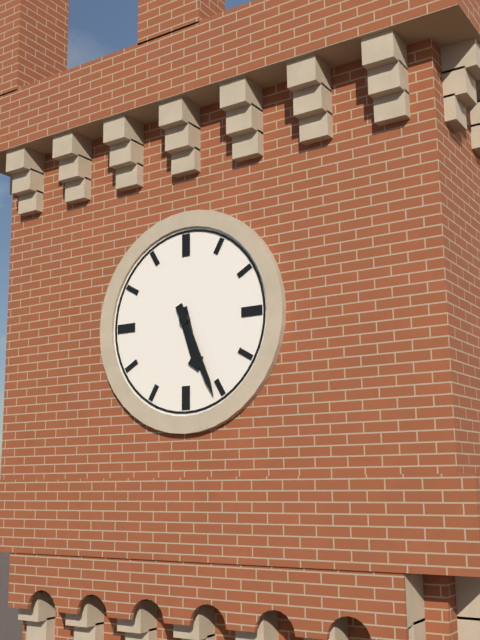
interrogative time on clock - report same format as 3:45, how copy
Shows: 5:26
